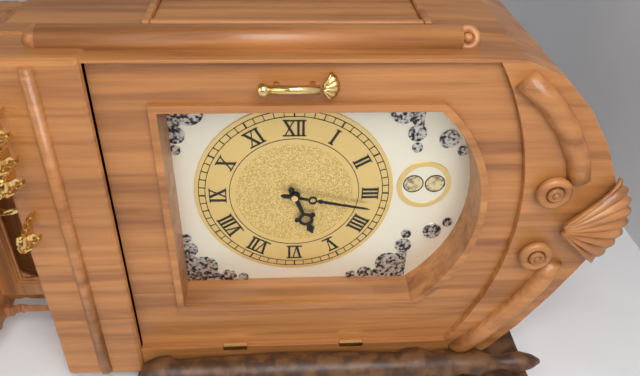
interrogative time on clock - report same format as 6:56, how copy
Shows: 5:17
